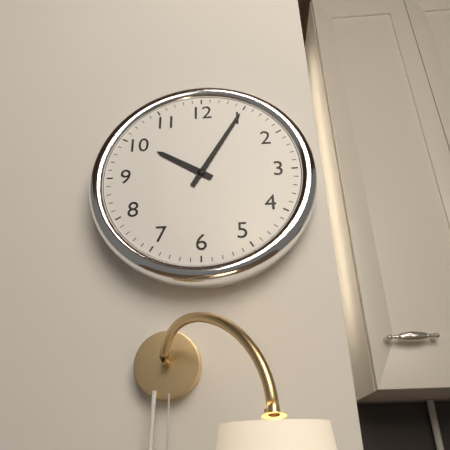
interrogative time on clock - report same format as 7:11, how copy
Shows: 10:05
